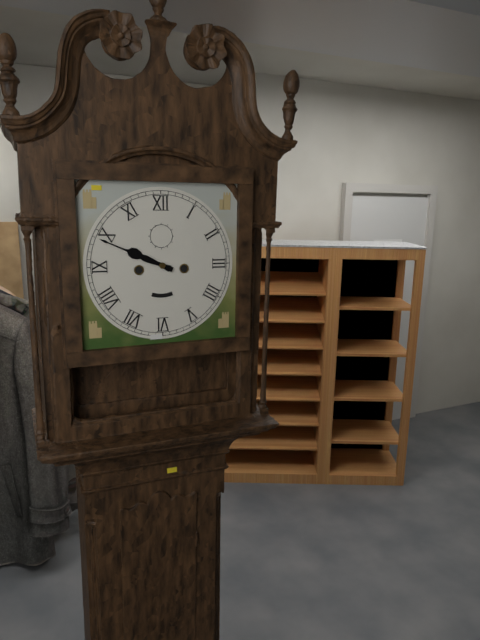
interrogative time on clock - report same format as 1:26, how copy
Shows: 9:49
